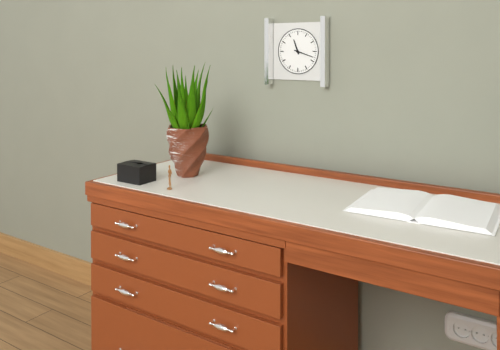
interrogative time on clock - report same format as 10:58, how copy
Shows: 11:18
